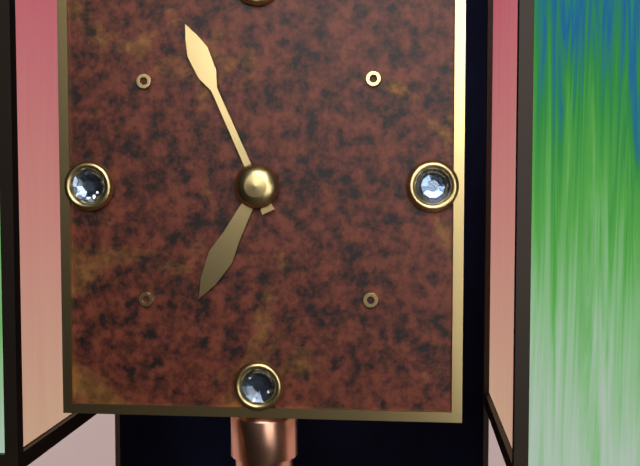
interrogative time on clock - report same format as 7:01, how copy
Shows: 6:56
